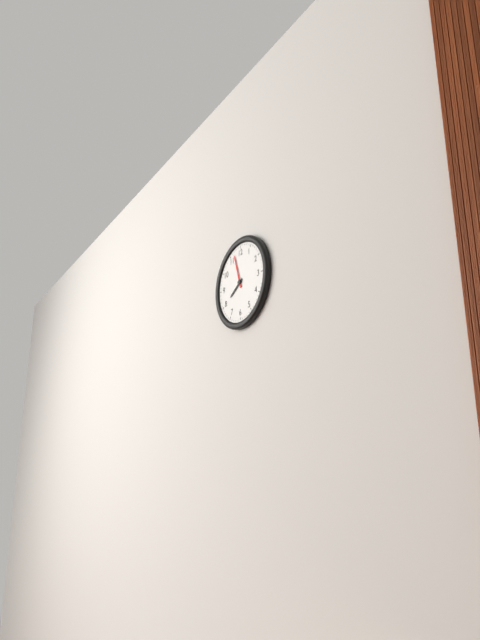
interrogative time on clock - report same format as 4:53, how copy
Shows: 7:57
